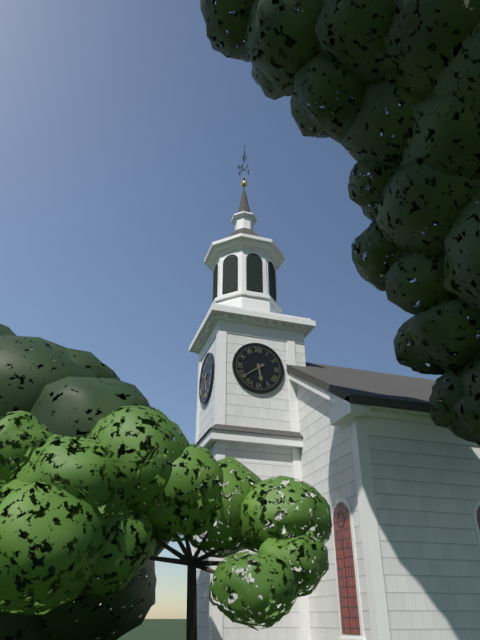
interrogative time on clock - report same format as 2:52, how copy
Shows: 5:39
